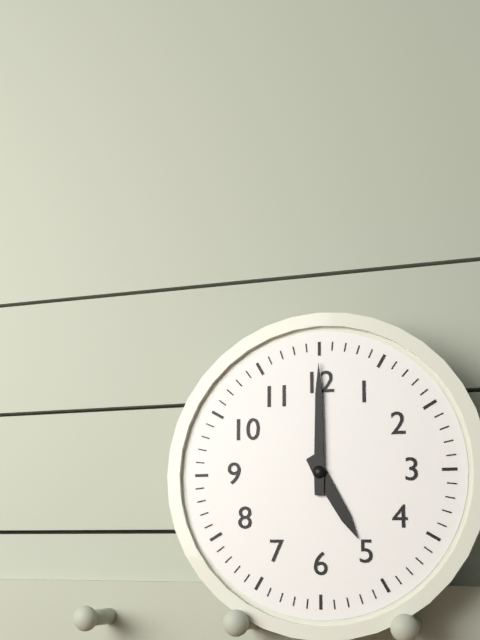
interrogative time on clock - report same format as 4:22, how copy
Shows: 5:00
